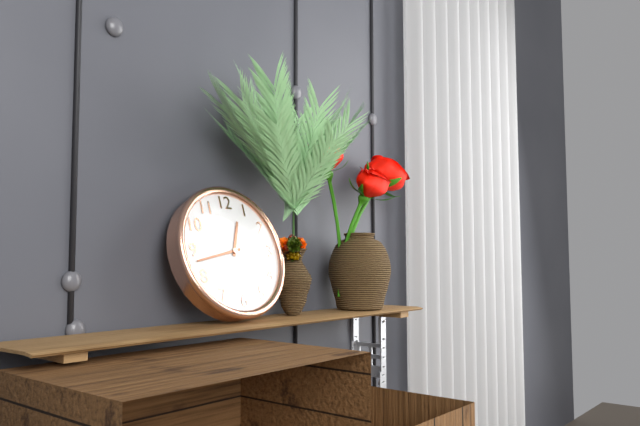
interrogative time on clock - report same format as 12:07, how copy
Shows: 12:43
